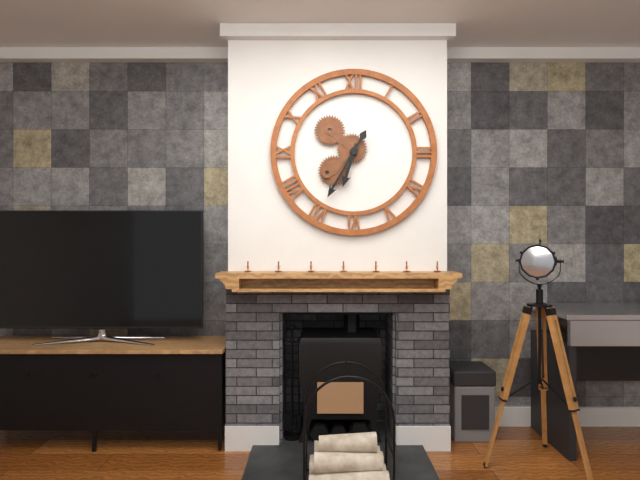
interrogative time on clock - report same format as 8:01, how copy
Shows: 6:35
